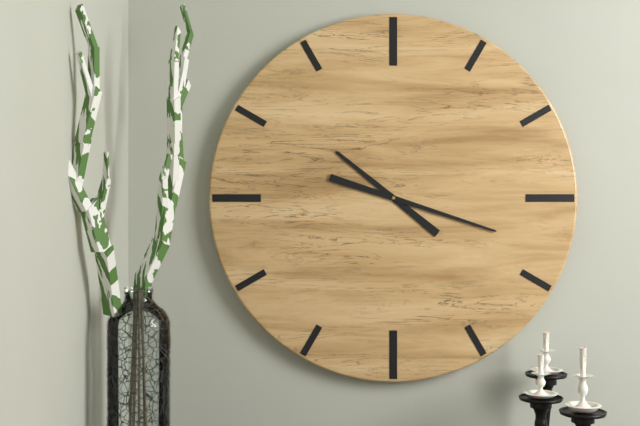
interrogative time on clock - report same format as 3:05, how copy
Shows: 10:18
